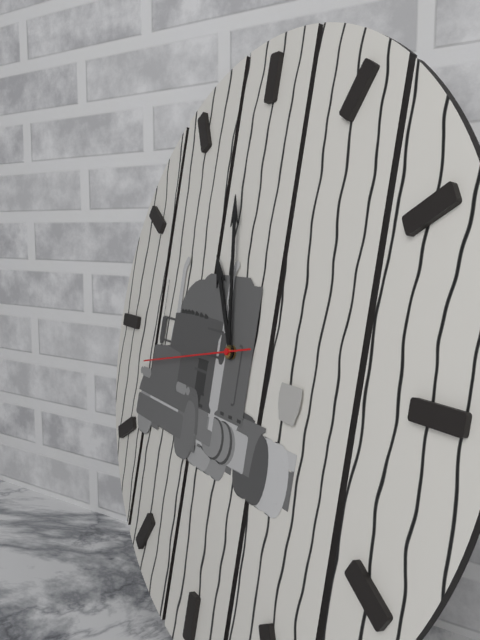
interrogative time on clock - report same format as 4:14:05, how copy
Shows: 10:58:43
